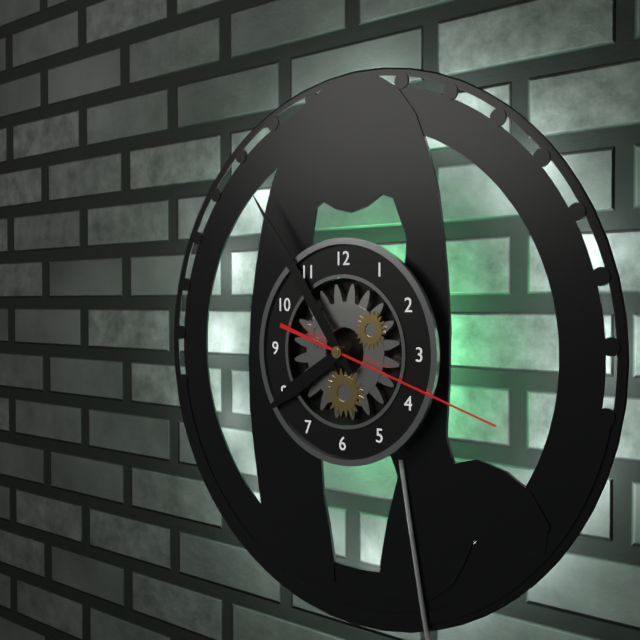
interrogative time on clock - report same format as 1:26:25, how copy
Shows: 7:54:18
